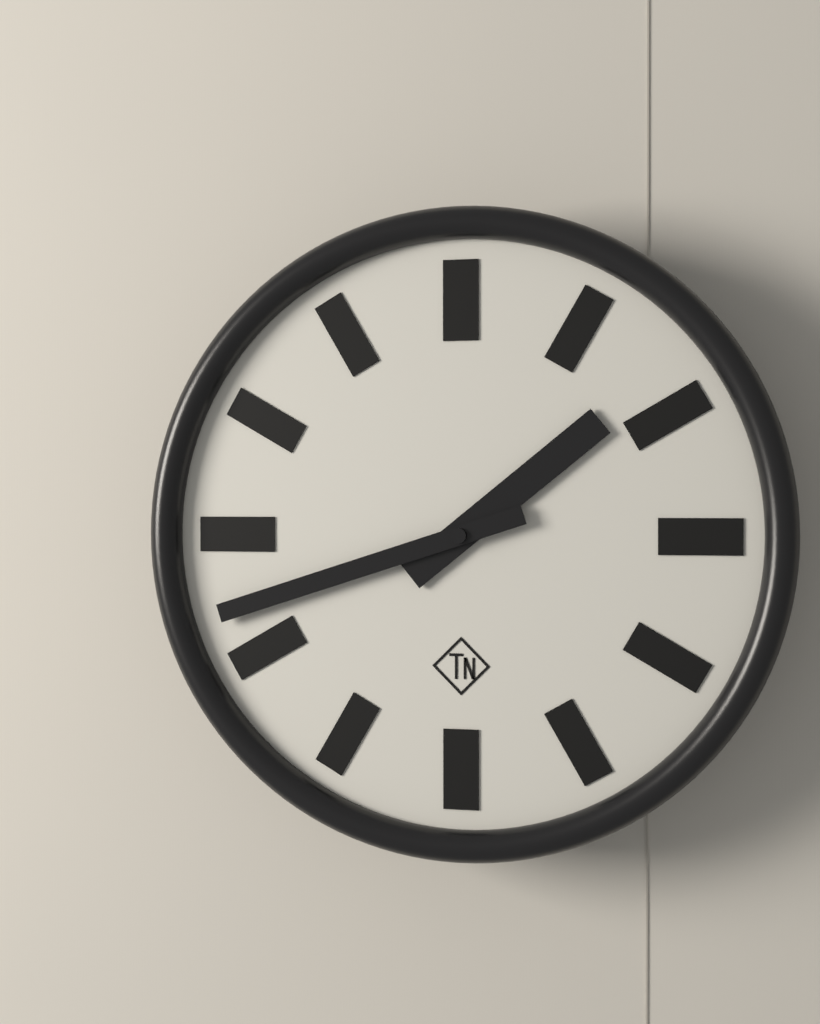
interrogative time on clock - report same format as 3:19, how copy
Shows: 1:42
